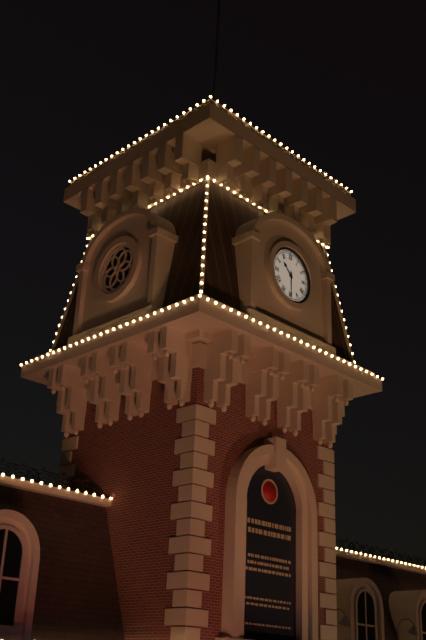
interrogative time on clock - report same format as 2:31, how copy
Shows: 10:30
